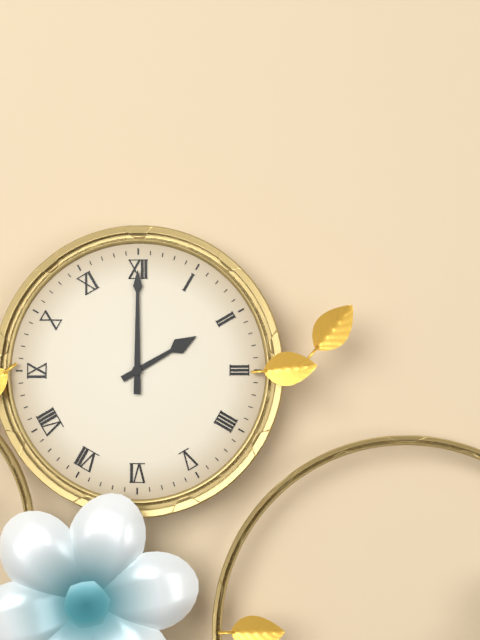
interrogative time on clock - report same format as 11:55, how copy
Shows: 2:00
